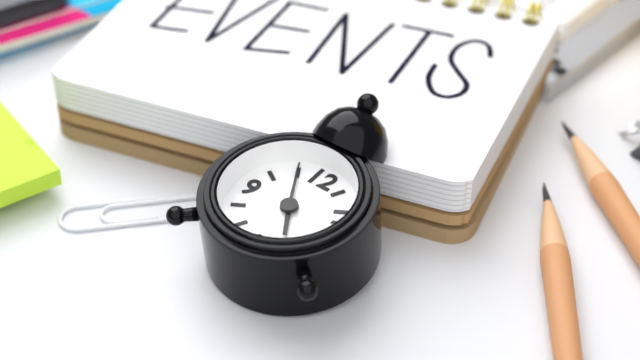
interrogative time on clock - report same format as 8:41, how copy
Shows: 4:55
